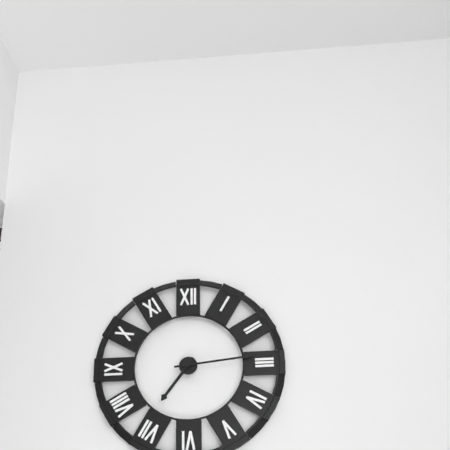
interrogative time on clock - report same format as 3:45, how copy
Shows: 7:14
